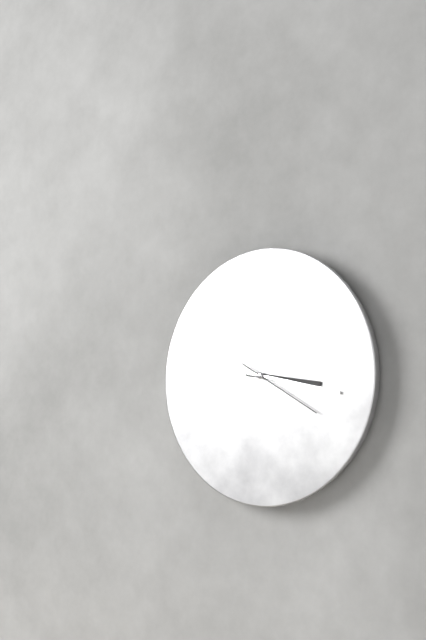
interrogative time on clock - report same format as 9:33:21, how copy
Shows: 3:17:20
